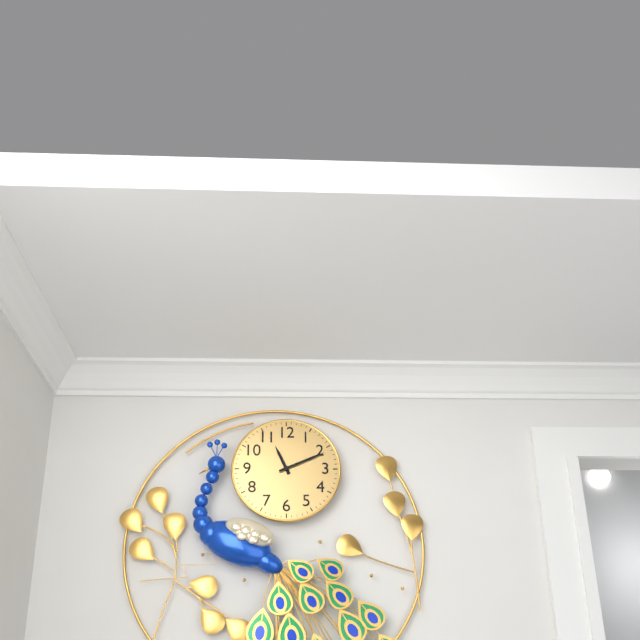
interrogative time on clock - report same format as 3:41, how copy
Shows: 11:11
